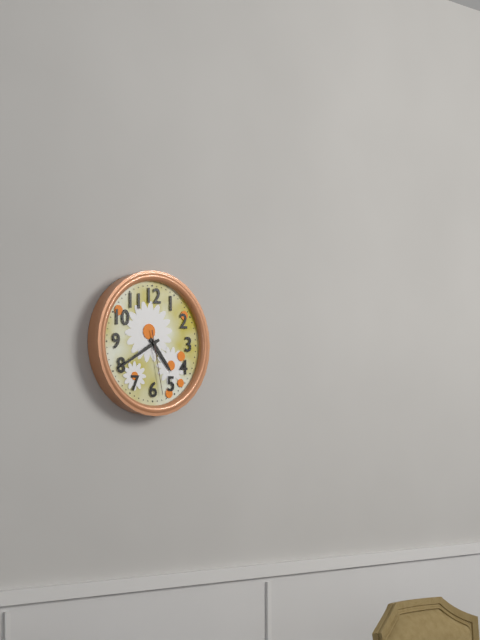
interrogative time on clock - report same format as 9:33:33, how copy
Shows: 4:40:28
